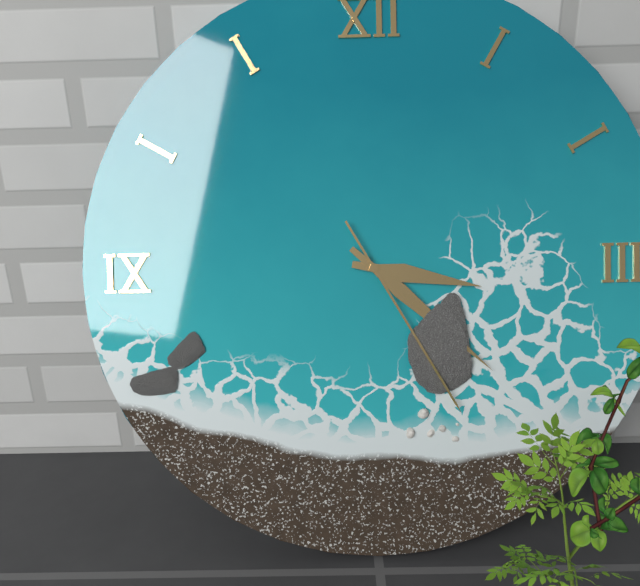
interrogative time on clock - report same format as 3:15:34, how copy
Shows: 3:22:25
